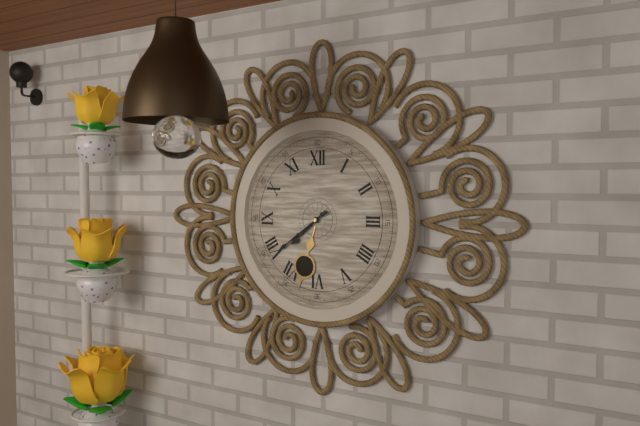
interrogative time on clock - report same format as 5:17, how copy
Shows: 7:39
